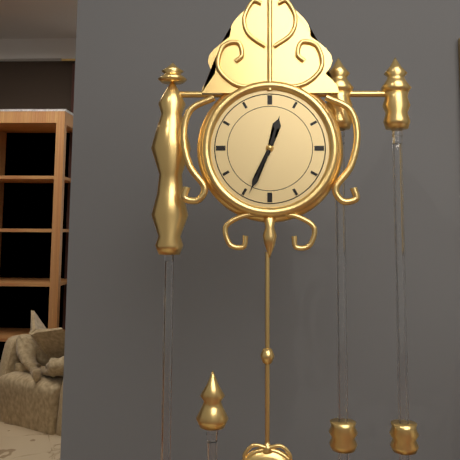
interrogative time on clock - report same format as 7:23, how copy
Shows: 12:34
